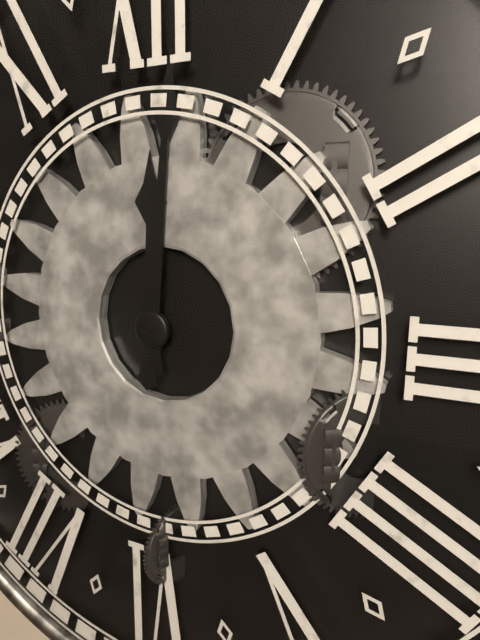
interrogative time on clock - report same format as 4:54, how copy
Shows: 12:01
